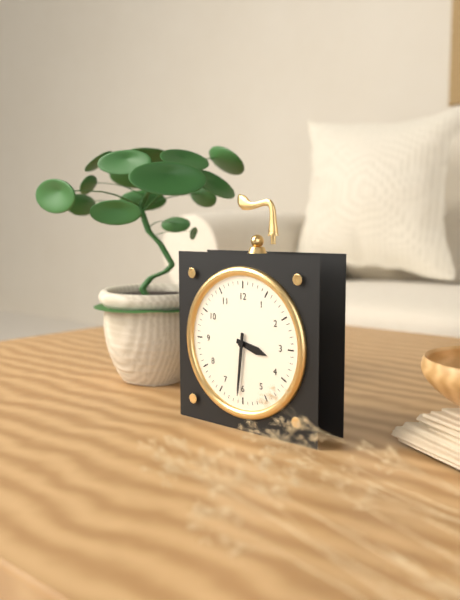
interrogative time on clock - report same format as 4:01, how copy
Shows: 3:31
